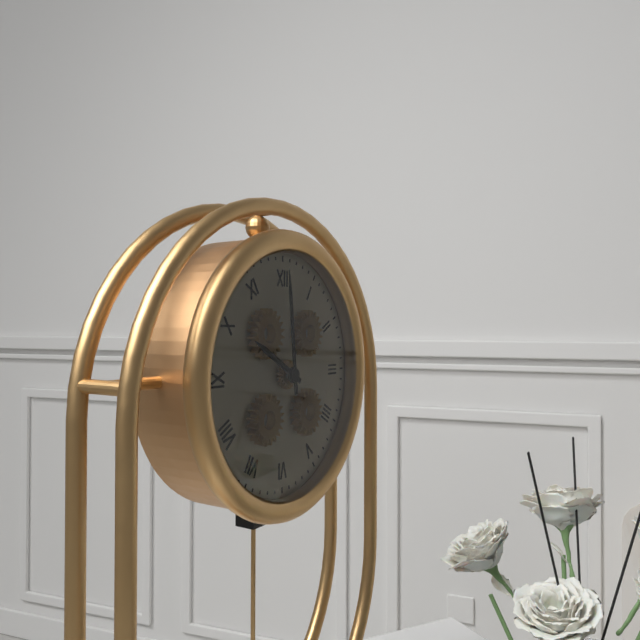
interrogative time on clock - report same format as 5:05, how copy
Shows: 9:59
